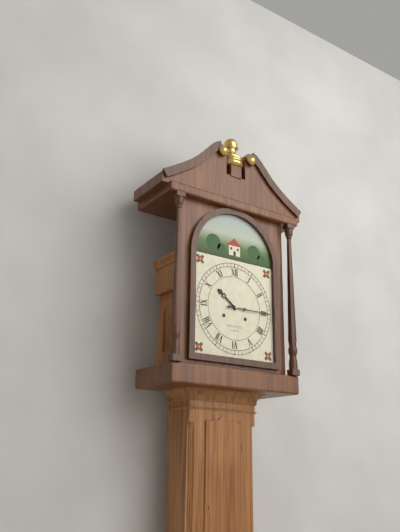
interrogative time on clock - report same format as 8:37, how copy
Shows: 10:15
